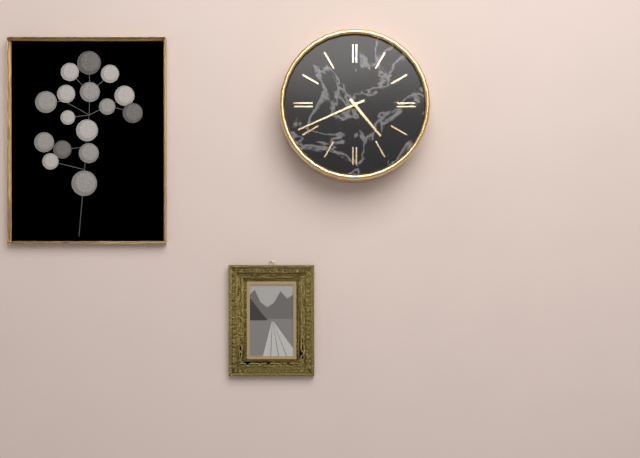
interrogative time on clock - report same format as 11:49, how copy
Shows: 4:41
